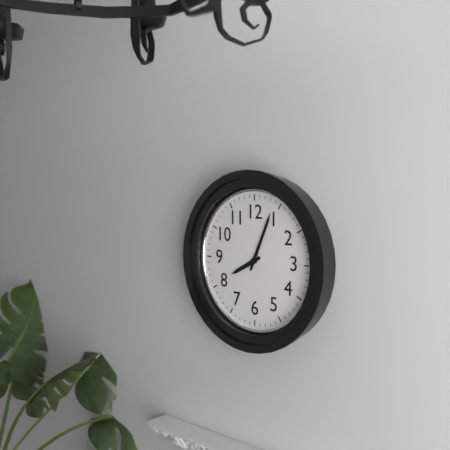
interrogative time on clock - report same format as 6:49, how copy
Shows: 8:04
